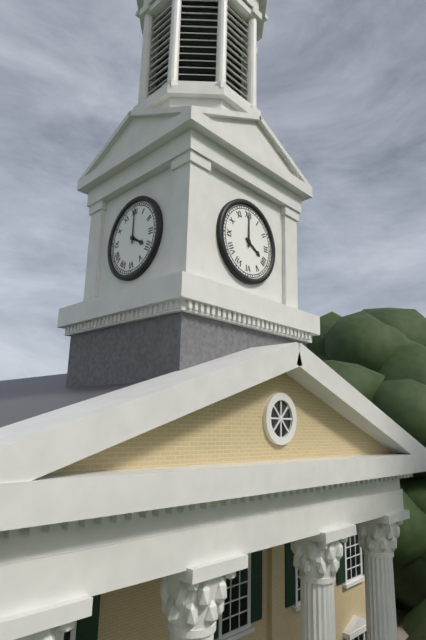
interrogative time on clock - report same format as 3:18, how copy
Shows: 4:00
